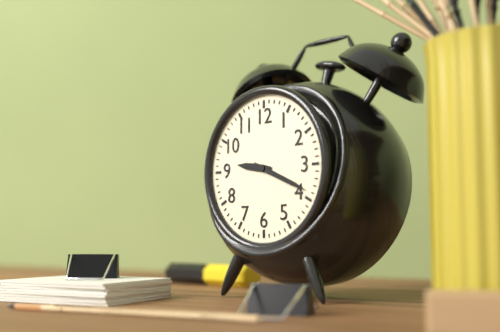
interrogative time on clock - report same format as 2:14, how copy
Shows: 9:19
